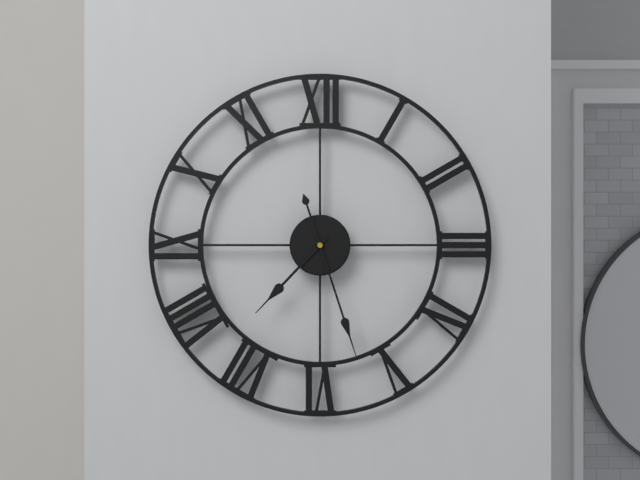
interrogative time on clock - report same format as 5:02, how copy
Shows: 7:27
